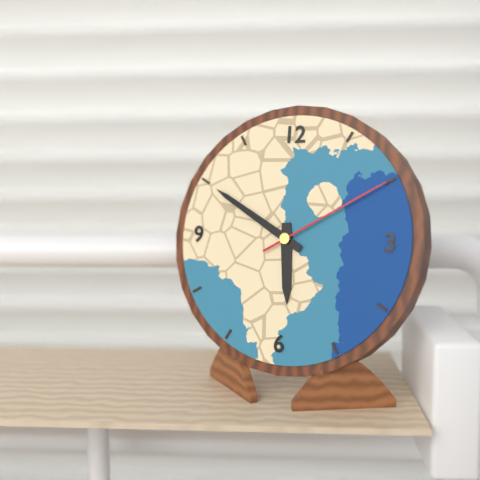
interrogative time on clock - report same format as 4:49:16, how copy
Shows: 5:50:10
